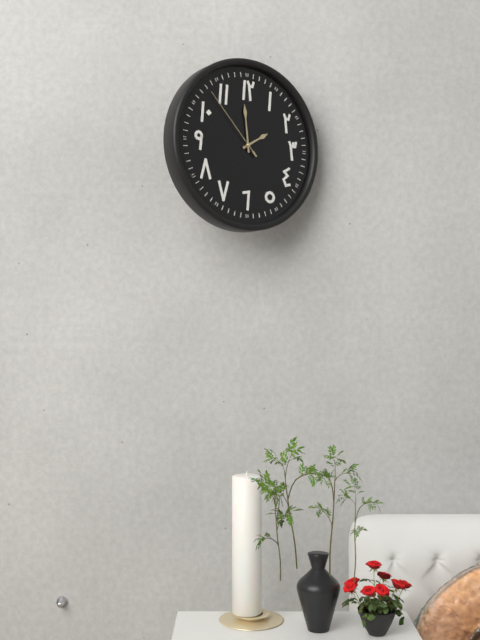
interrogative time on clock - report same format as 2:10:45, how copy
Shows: 1:59:53
